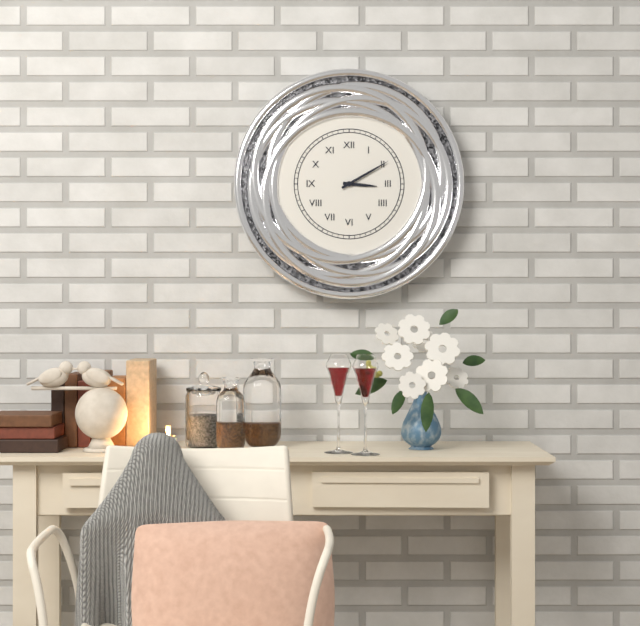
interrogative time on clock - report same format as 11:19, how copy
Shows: 3:10
